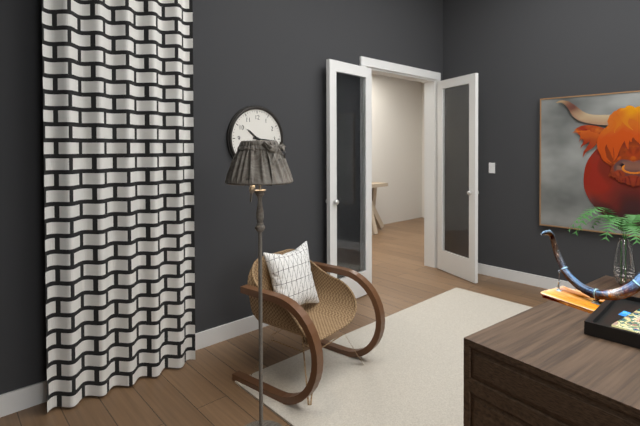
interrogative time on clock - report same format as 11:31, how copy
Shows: 10:16
